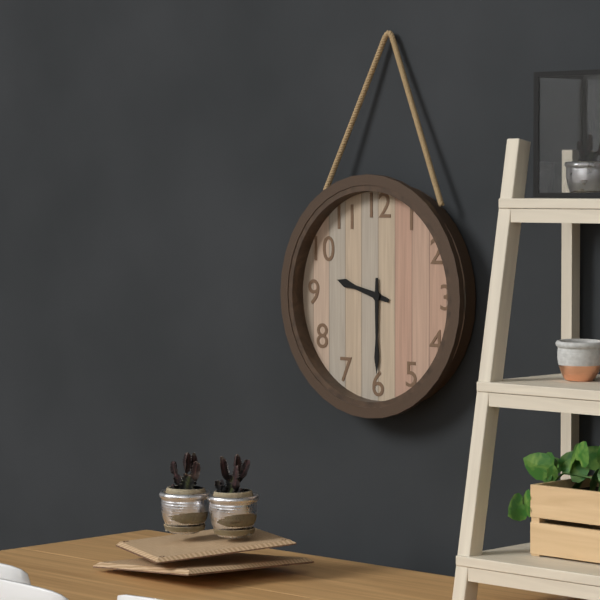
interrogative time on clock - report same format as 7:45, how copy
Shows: 9:30
